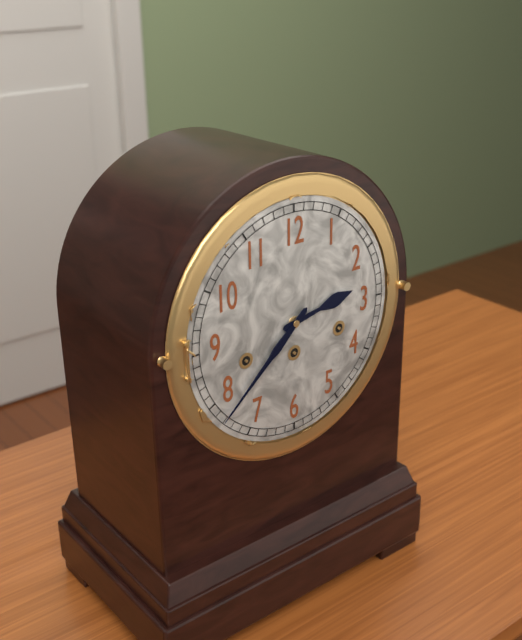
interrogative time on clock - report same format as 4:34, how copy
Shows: 2:38
